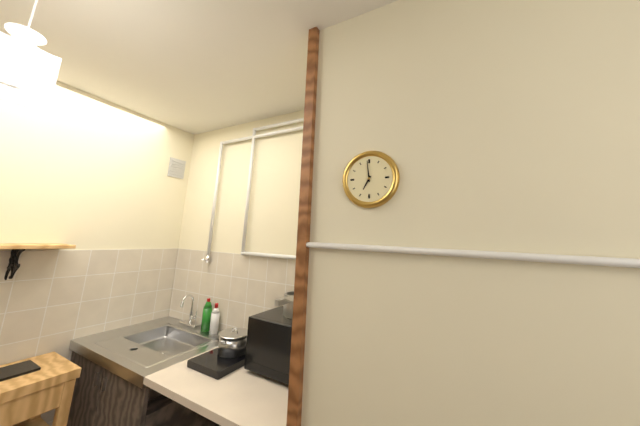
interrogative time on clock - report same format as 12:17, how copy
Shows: 6:59
